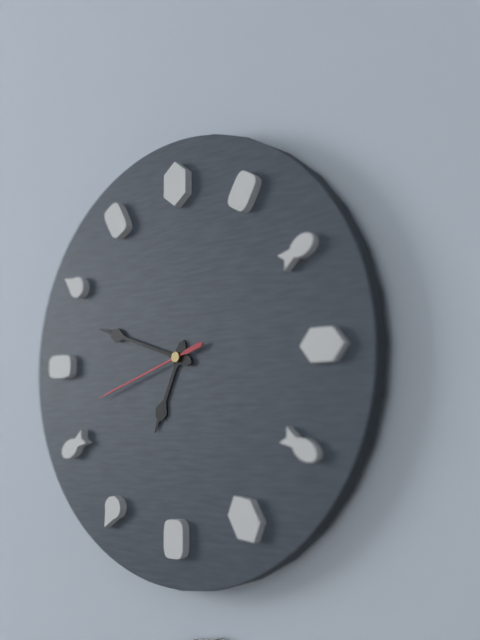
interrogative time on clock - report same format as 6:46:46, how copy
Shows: 6:48:42
